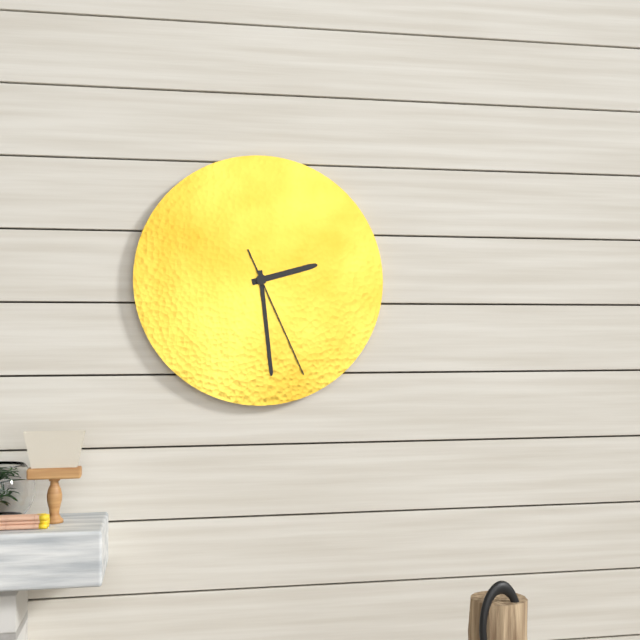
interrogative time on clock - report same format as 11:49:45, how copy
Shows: 2:29:26
